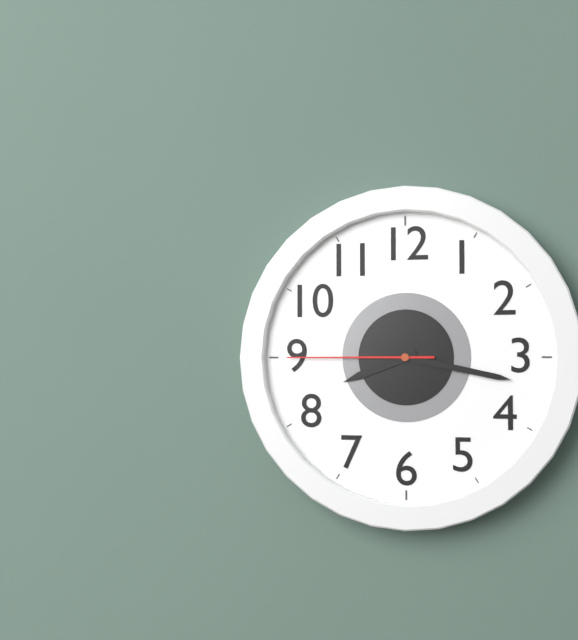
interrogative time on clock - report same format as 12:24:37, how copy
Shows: 8:17:45
